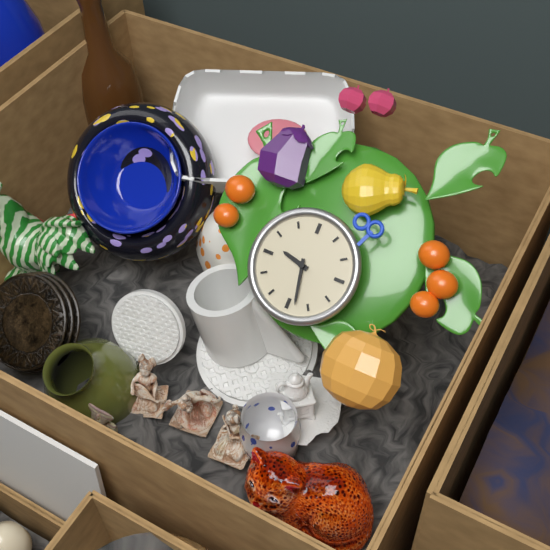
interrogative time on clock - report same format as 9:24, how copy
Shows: 9:28
